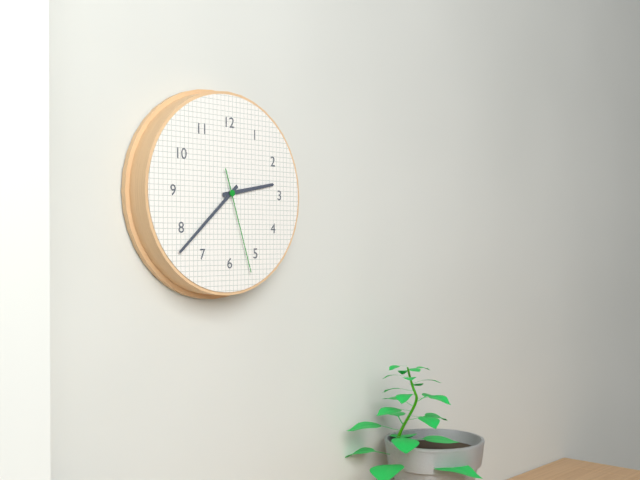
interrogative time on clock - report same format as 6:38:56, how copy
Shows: 2:38:27
